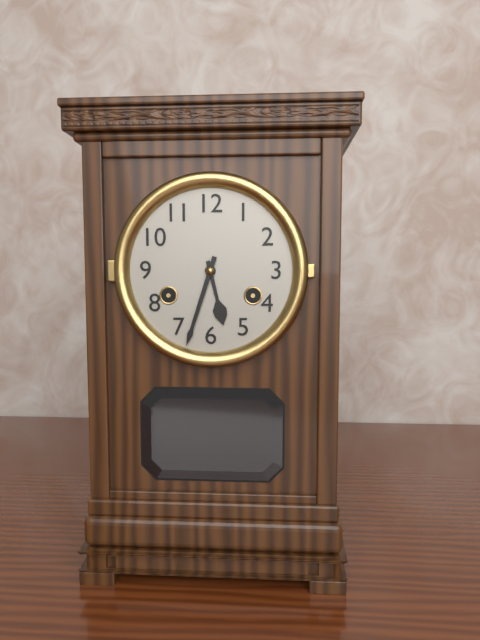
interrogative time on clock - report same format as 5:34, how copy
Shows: 5:33
